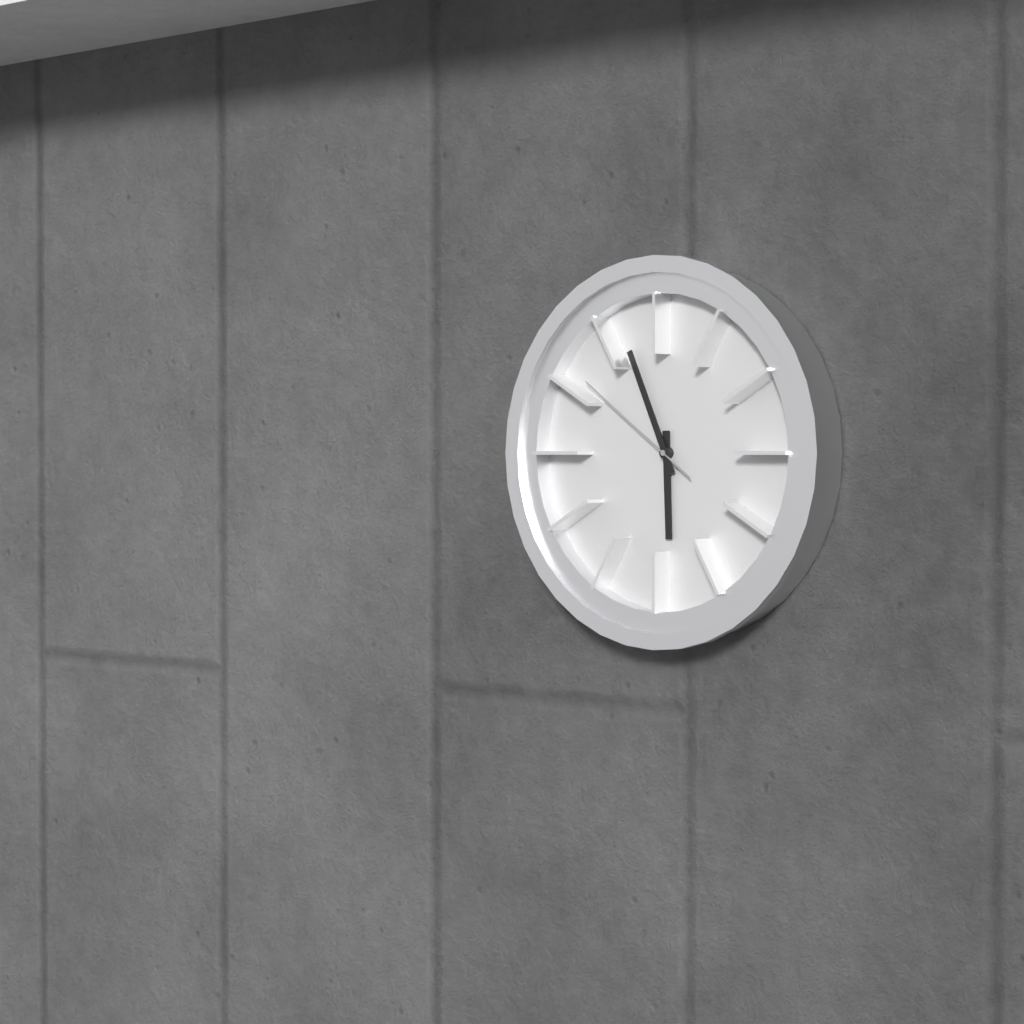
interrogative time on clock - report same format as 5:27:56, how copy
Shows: 5:56:51
